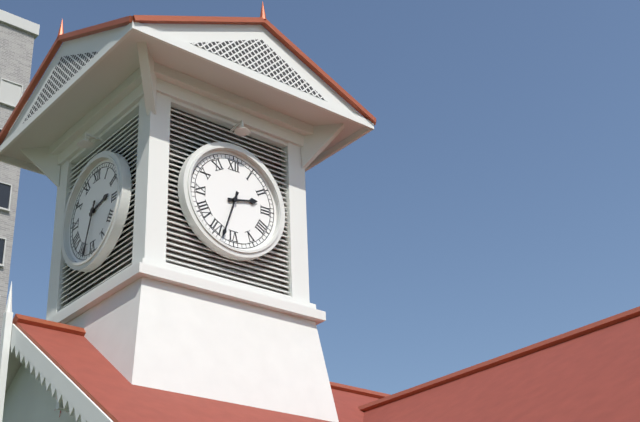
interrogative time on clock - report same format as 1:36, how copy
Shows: 2:33
